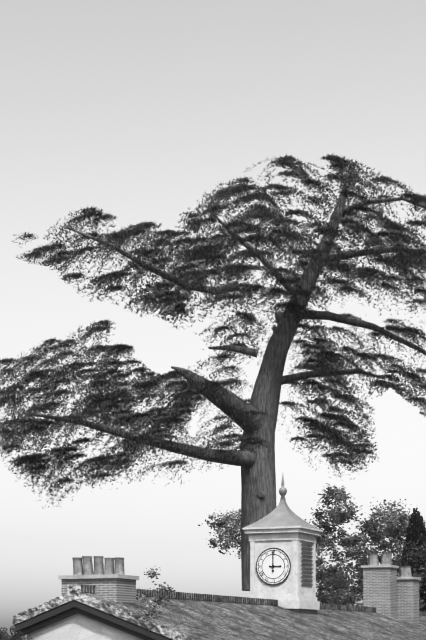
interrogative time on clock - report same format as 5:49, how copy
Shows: 3:00
